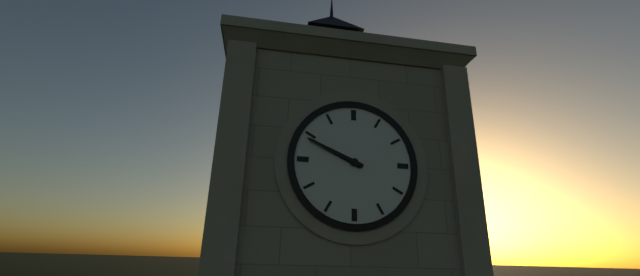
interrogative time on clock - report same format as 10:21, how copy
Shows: 9:49
